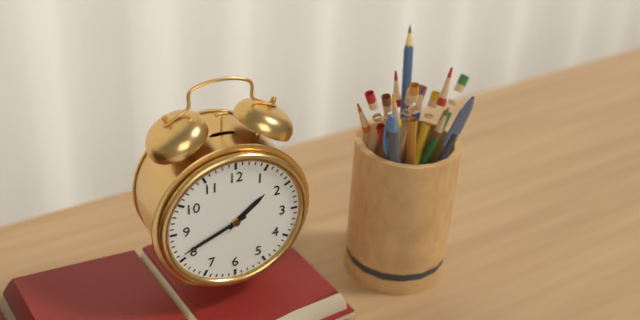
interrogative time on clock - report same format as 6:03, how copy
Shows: 1:41
